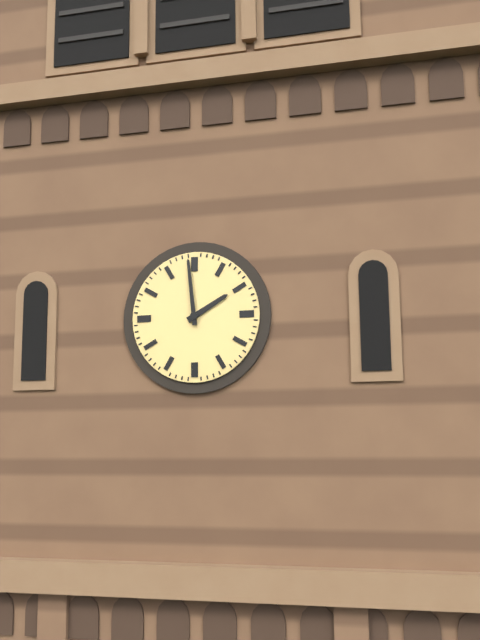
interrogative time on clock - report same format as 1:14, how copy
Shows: 1:59
